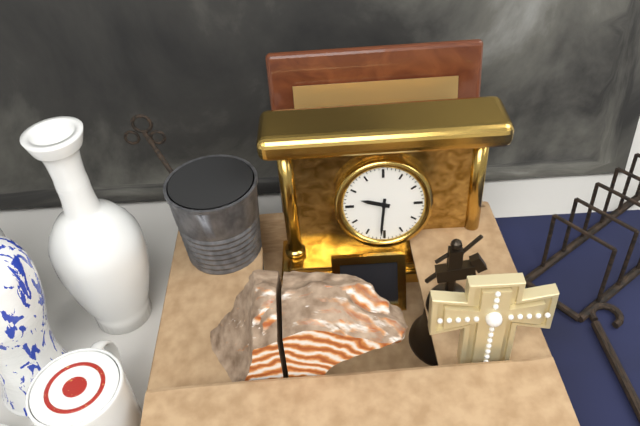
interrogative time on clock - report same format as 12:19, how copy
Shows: 9:31
